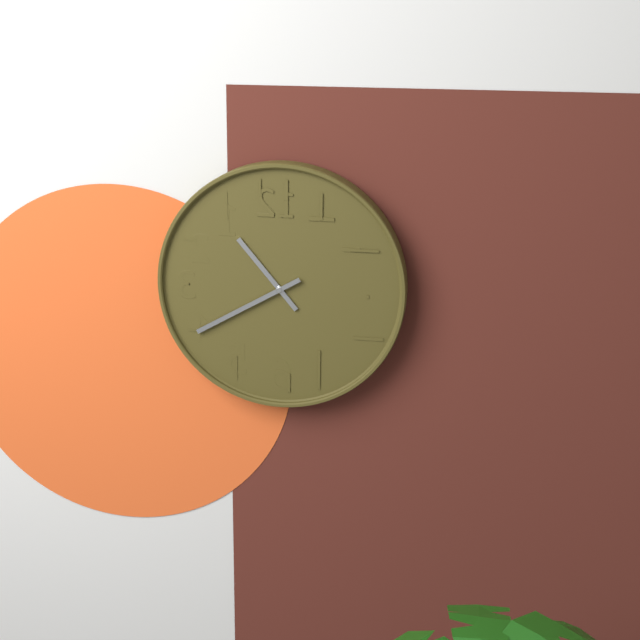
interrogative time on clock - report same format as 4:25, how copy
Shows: 10:40
